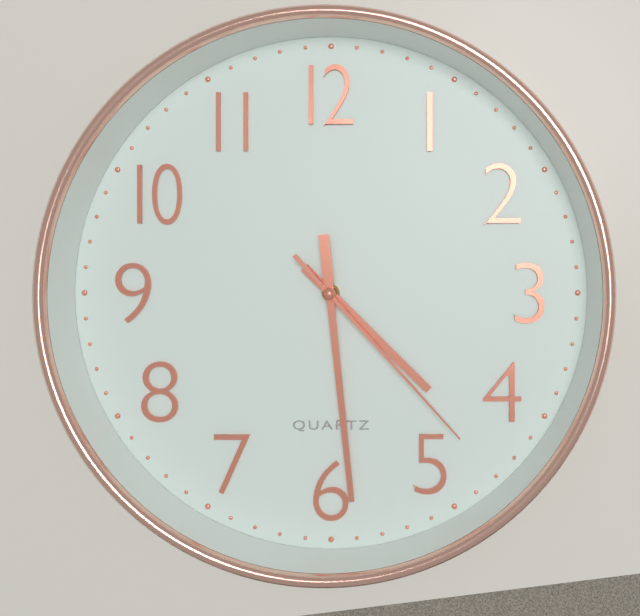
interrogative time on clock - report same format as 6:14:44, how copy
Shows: 4:29:23
